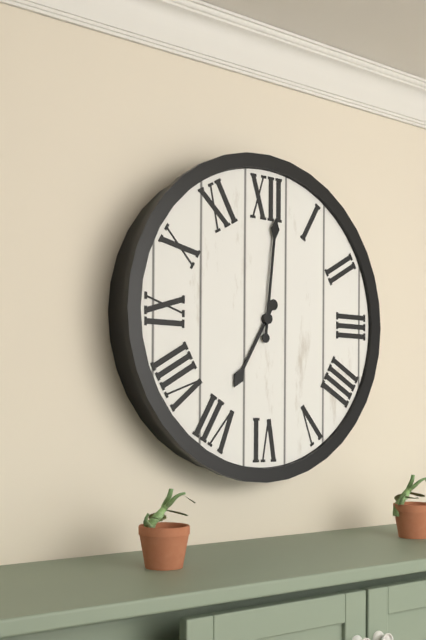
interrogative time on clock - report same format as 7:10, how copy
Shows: 7:01
